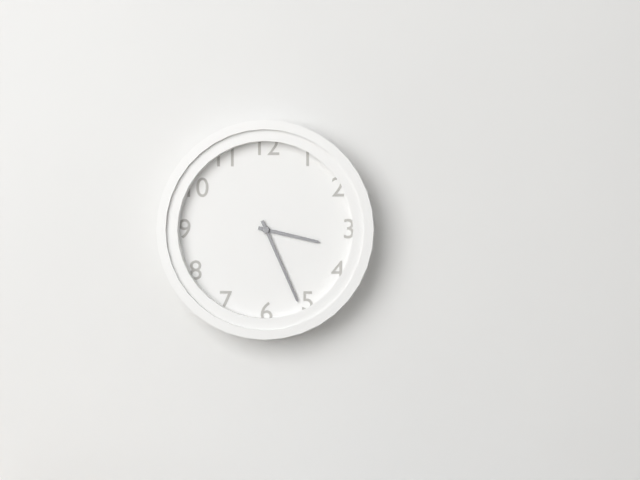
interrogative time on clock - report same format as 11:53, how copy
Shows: 3:26
